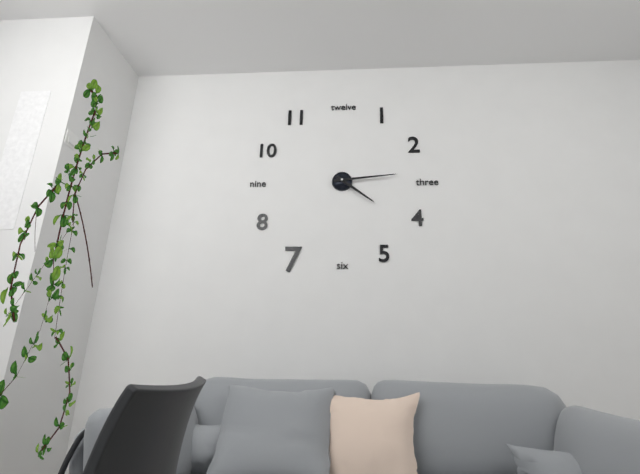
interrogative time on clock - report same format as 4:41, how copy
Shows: 4:14
